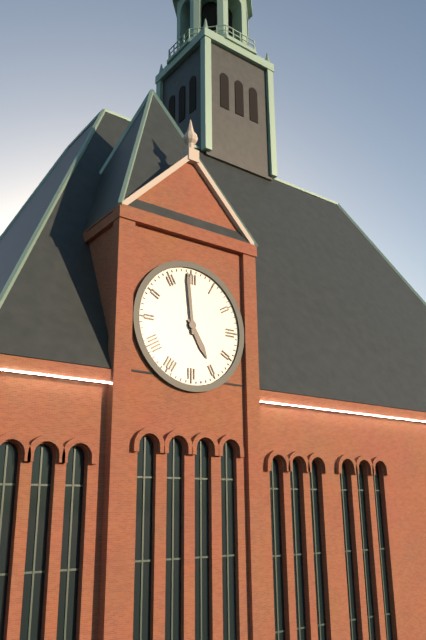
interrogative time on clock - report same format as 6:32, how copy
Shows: 4:59
